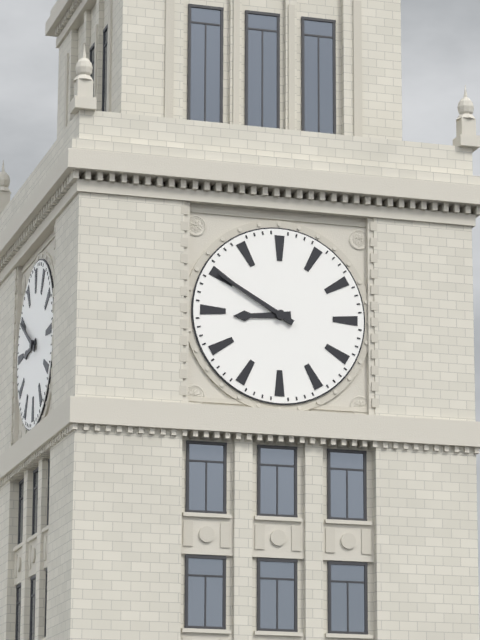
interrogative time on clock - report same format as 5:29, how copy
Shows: 8:50
